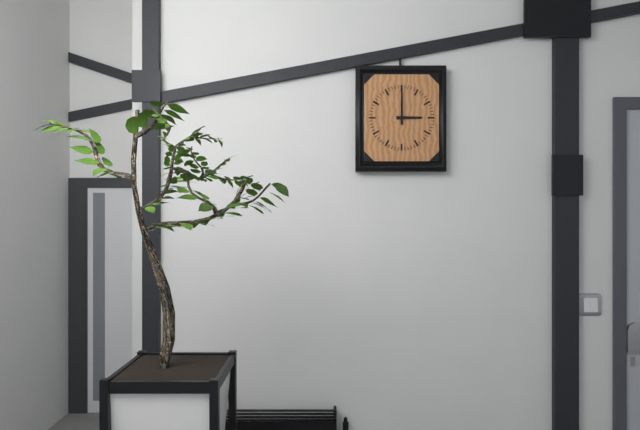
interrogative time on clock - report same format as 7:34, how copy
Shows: 3:00
